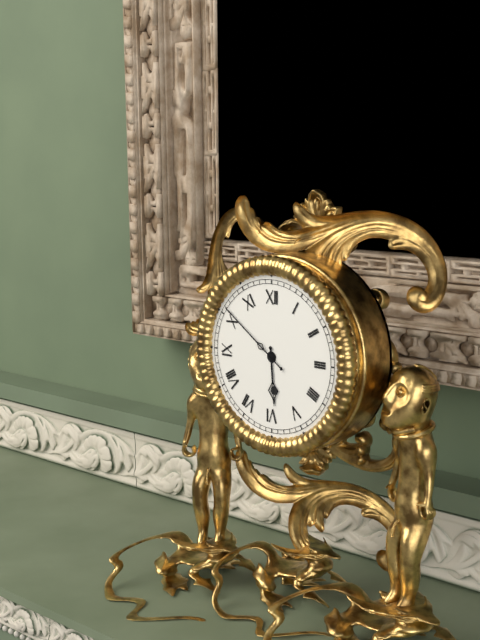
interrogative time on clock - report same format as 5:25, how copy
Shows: 5:51
